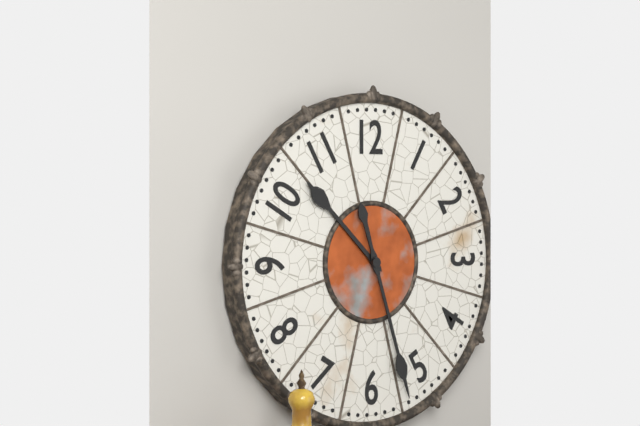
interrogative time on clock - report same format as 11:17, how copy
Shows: 10:27
